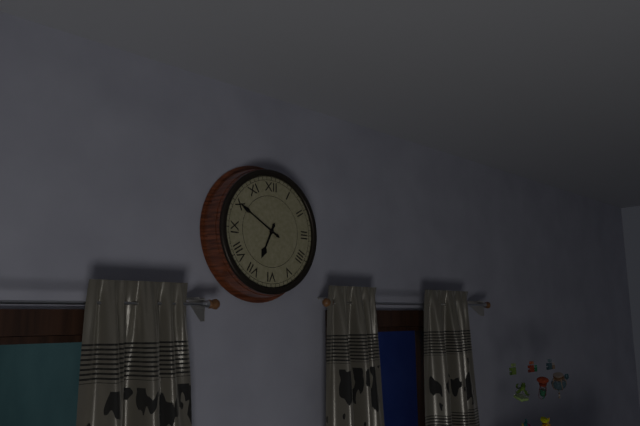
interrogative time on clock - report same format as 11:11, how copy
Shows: 6:50
